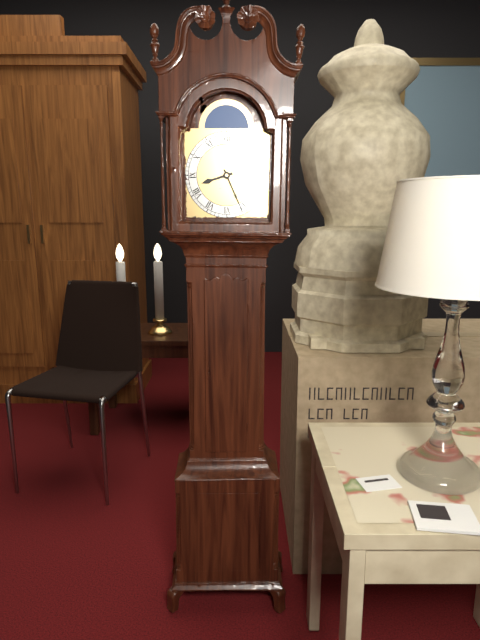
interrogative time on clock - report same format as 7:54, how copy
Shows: 8:26
